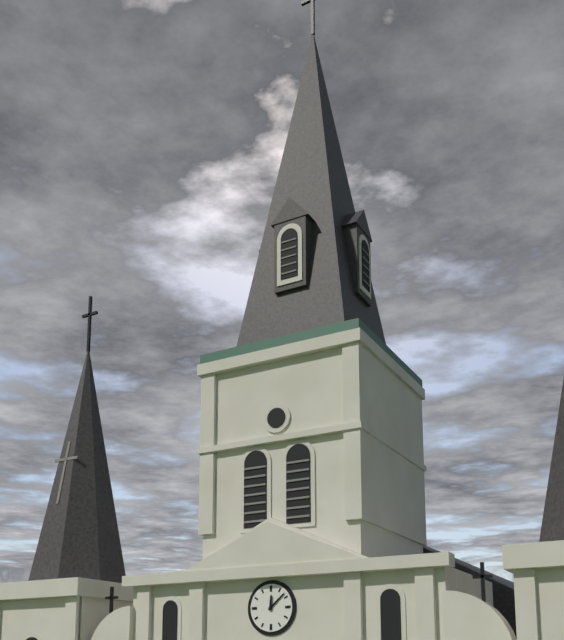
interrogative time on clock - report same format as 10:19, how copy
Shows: 12:08
